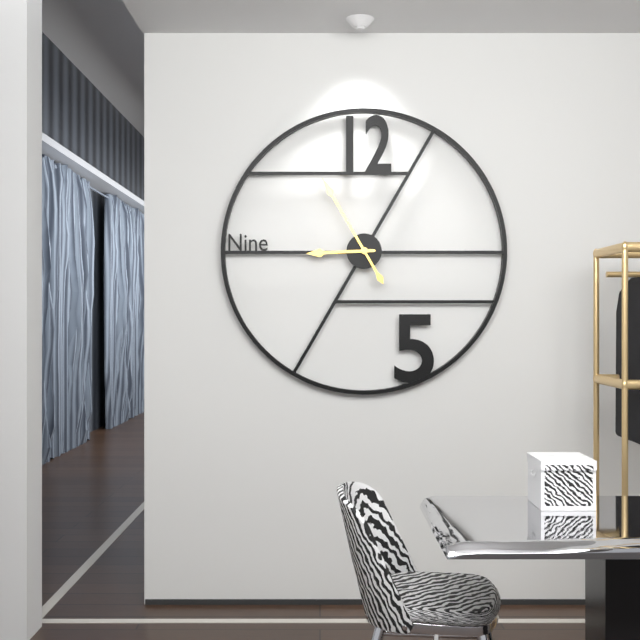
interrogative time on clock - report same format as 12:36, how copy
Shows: 8:55
